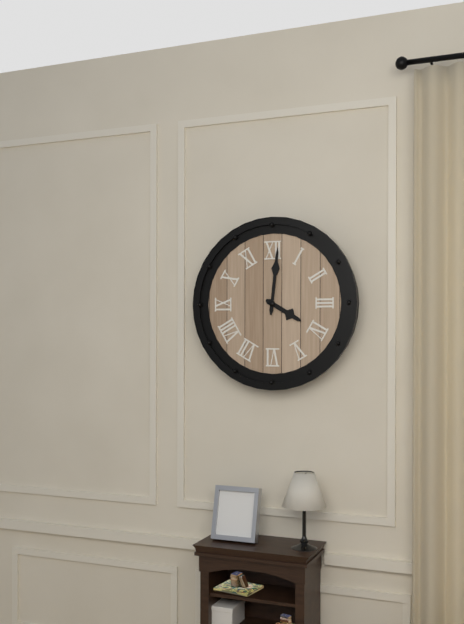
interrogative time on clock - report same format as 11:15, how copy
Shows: 4:01
